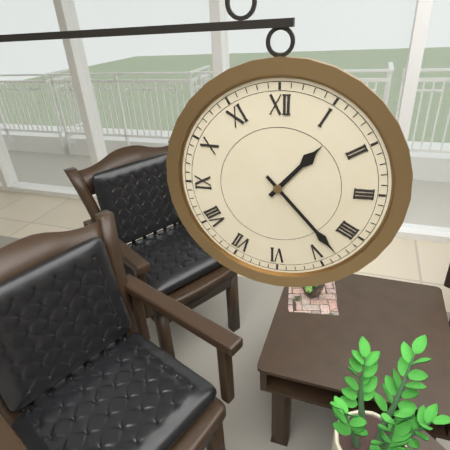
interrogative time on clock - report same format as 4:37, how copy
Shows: 1:23
